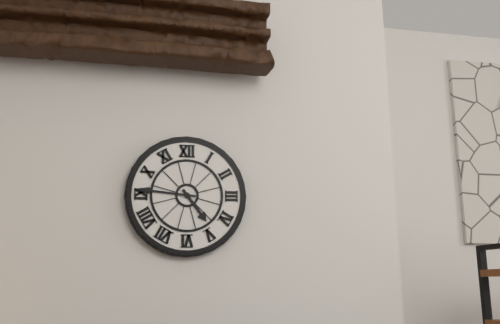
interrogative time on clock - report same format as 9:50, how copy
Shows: 4:46
